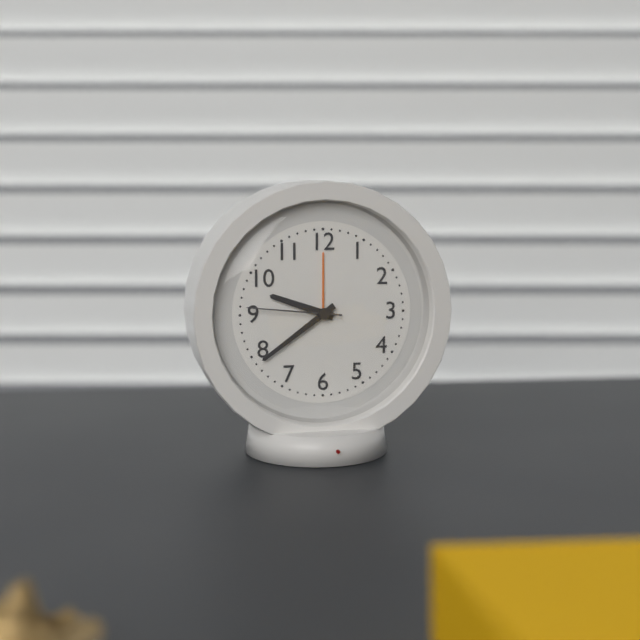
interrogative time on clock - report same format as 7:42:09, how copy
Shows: 9:39:46
